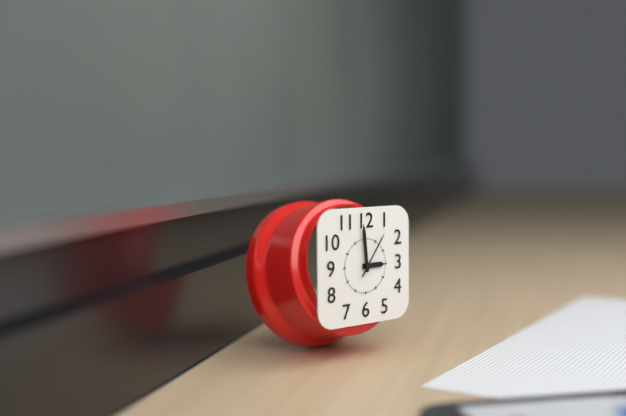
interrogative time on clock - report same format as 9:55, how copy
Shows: 2:59
